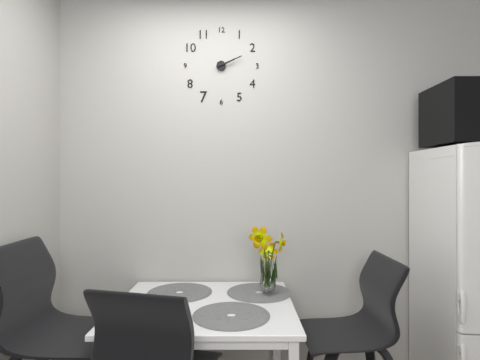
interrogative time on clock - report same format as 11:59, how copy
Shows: 2:11
